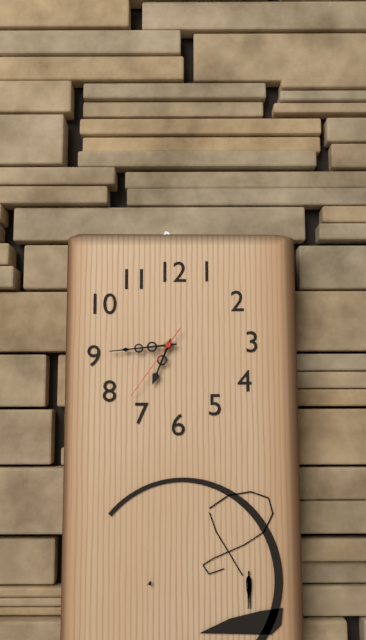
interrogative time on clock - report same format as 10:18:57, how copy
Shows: 6:44:36
